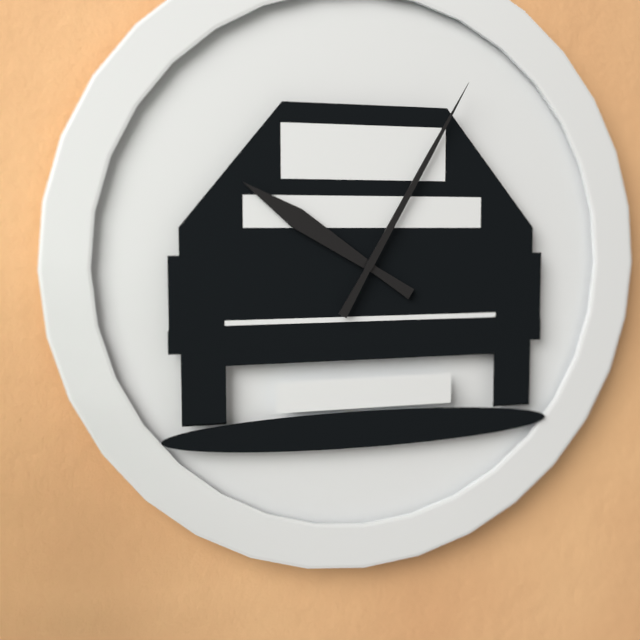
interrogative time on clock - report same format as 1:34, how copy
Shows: 10:05
